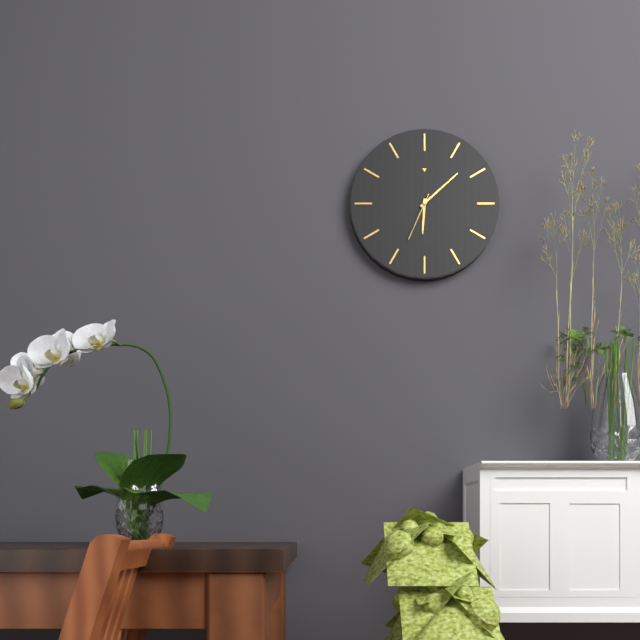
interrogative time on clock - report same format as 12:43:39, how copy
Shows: 6:08:34
